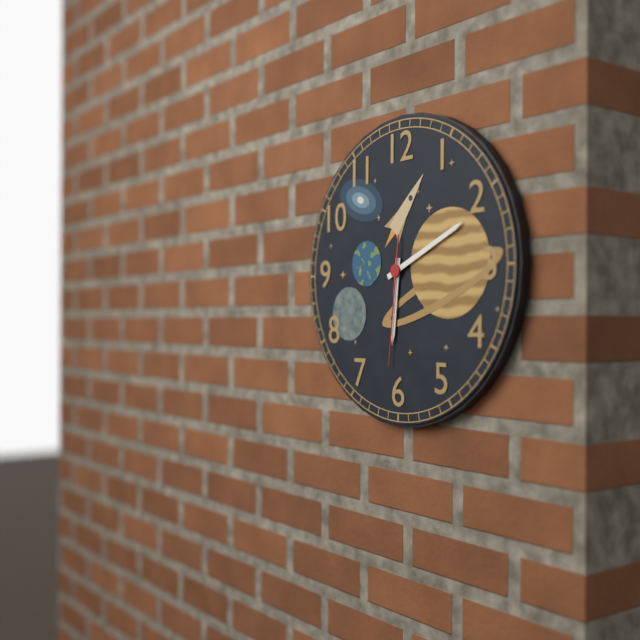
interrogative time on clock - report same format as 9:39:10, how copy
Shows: 6:11:31
